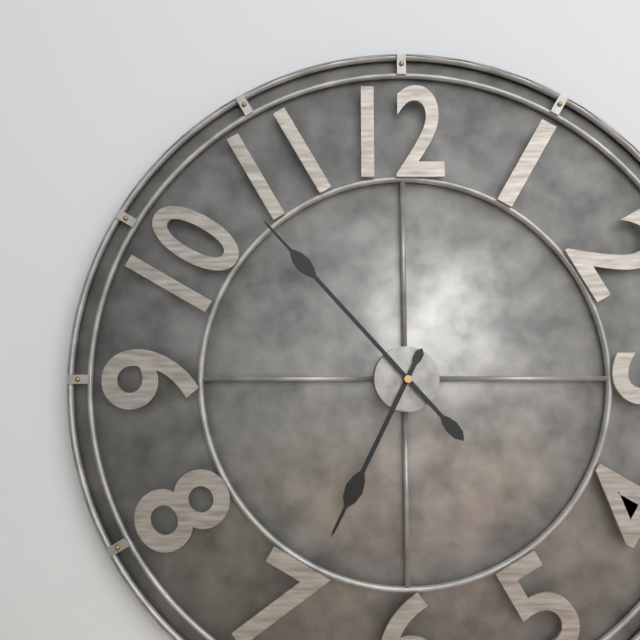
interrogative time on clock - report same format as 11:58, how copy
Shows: 6:53
